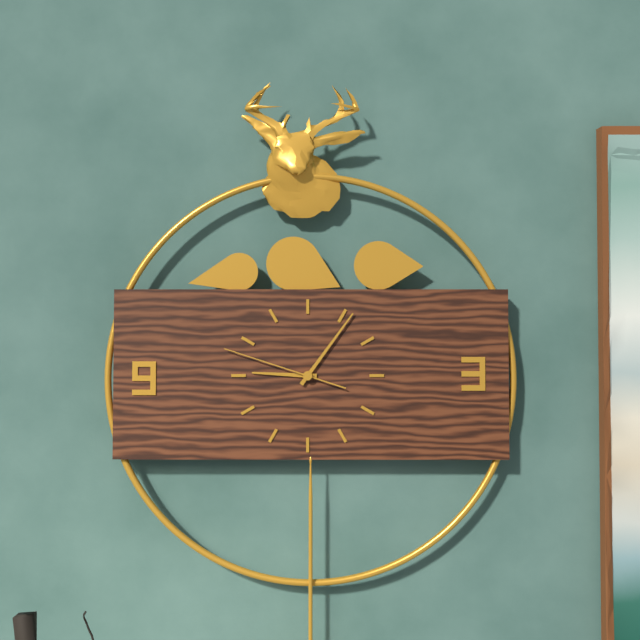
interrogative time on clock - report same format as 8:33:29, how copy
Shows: 9:06:48
